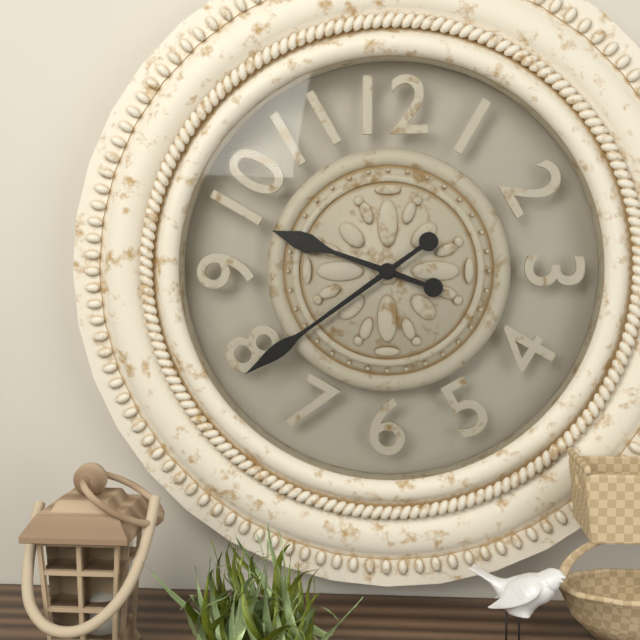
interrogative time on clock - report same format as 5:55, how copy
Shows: 9:39
